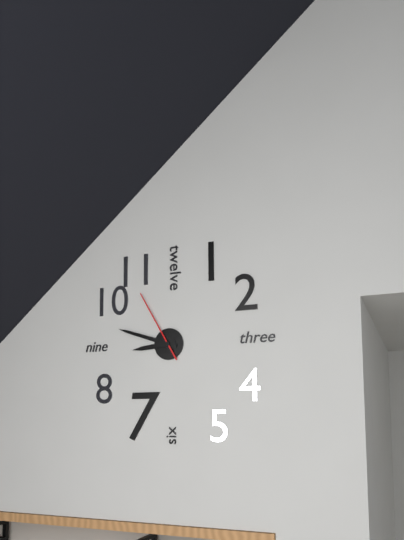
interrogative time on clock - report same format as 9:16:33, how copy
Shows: 8:48:55
